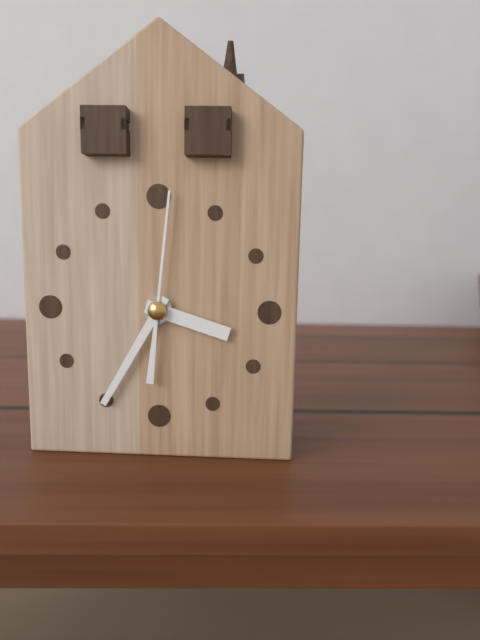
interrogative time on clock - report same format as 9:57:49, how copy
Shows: 3:35:01
